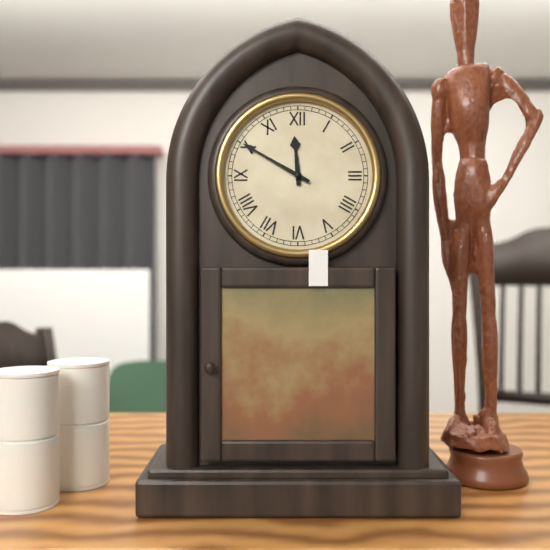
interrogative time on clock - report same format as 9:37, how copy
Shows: 11:50
